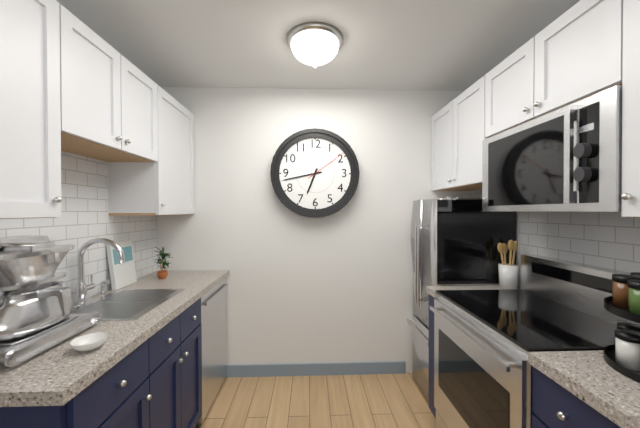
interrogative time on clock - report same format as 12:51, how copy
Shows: 6:43
